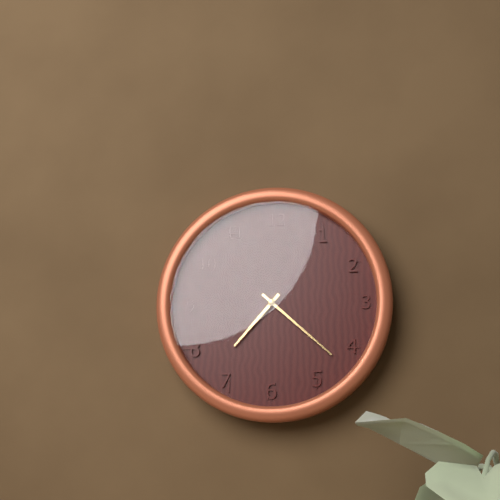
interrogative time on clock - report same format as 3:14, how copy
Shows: 7:22
